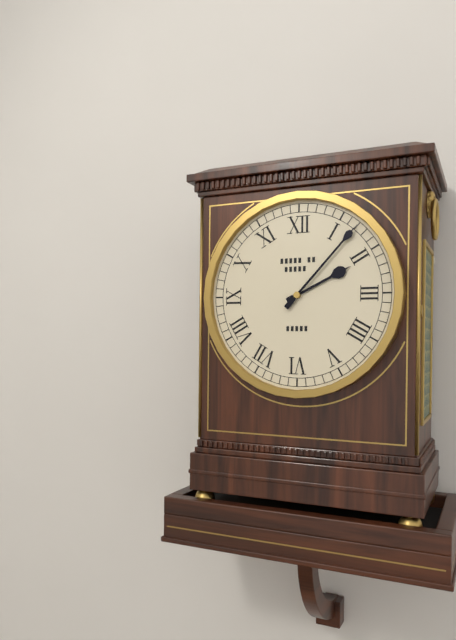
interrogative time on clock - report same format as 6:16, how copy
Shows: 2:07
